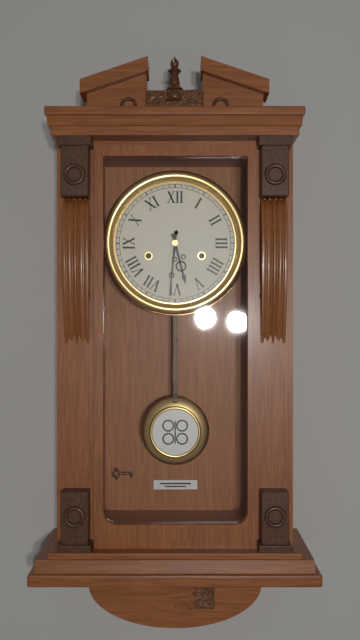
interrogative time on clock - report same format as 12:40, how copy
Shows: 5:31
